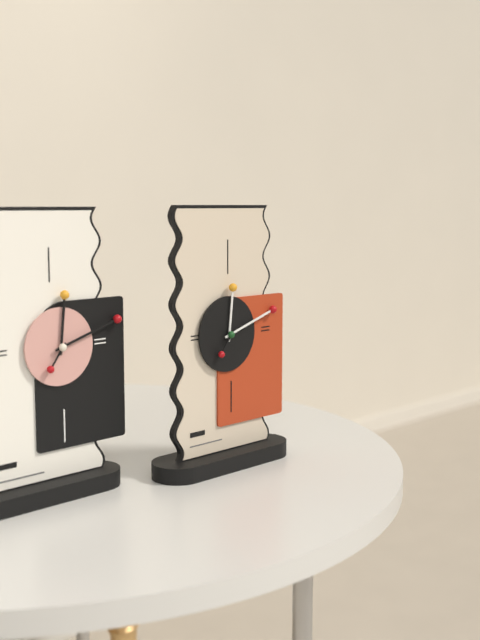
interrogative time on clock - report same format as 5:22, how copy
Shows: 12:12
